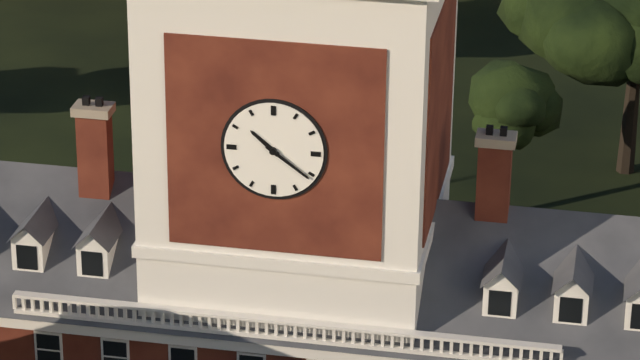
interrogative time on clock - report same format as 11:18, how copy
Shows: 10:21
